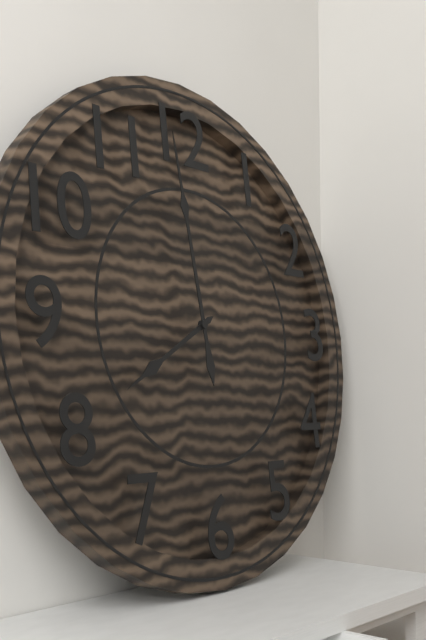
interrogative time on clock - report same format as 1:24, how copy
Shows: 7:59
